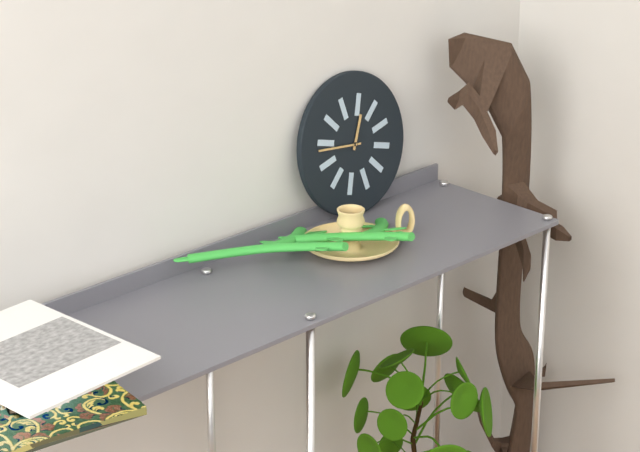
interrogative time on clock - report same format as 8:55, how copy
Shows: 12:46
